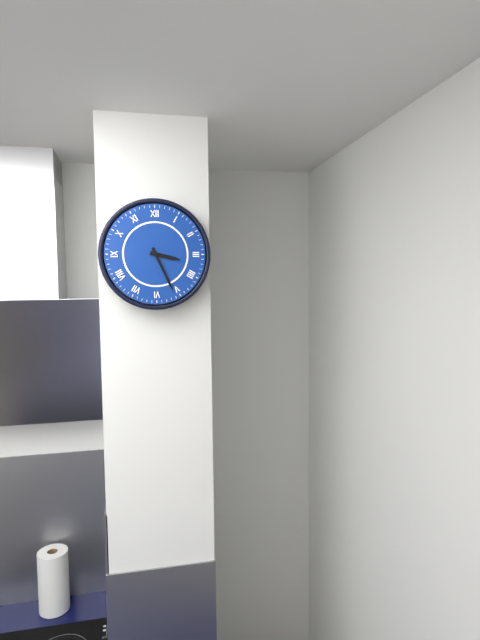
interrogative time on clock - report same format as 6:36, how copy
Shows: 3:26
